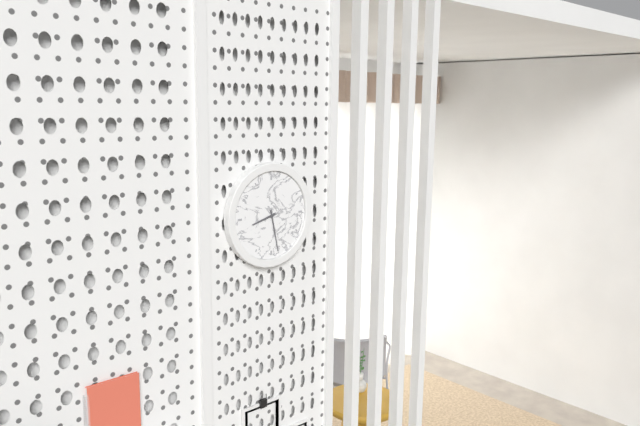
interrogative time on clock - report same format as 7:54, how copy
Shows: 8:28
